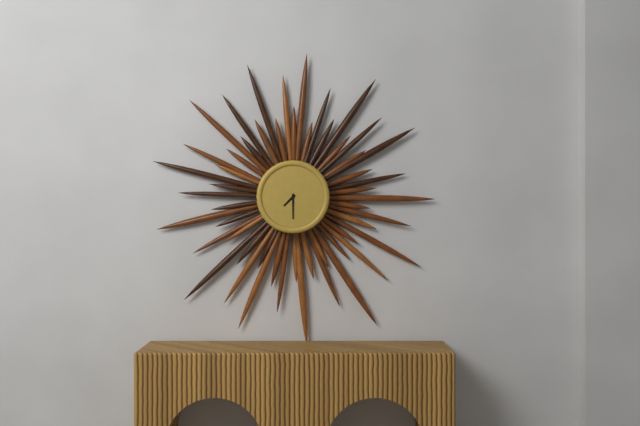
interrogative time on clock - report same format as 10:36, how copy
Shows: 7:30
